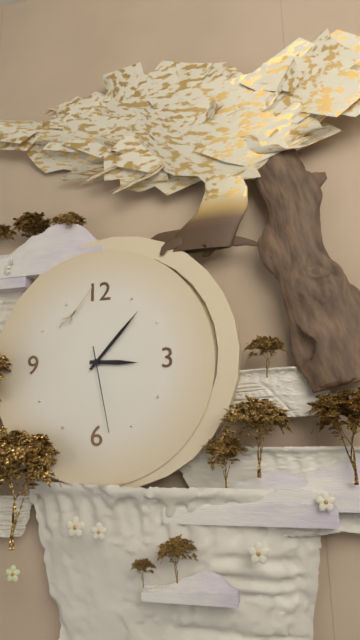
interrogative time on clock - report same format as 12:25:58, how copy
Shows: 3:07:28
